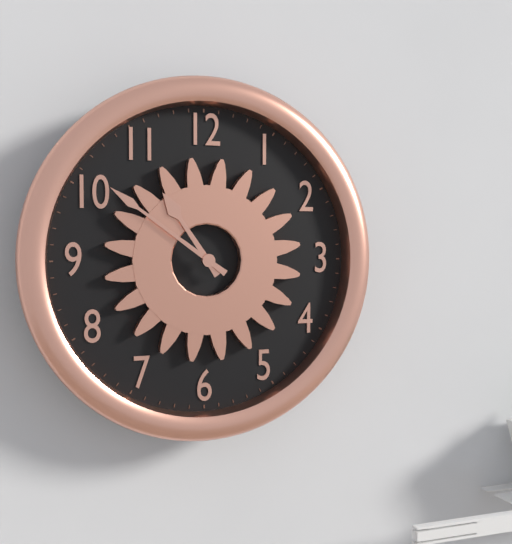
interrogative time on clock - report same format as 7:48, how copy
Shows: 10:51
